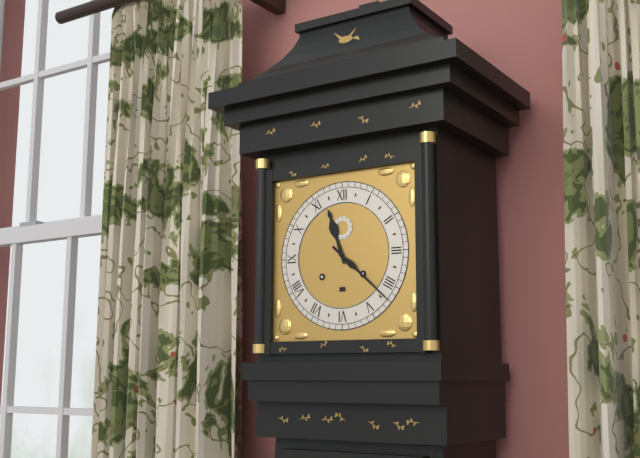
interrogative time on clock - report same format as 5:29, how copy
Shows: 11:22
